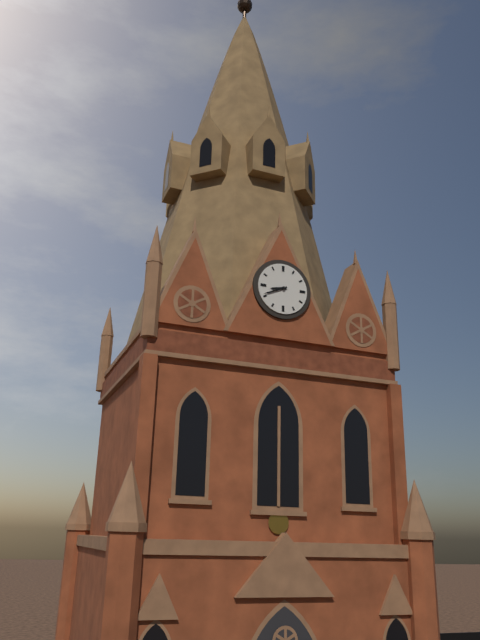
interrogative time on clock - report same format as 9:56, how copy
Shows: 8:41
